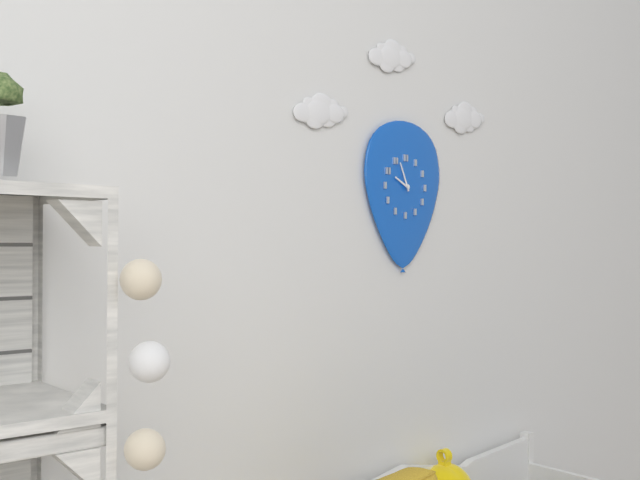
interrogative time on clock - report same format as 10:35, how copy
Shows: 9:56
